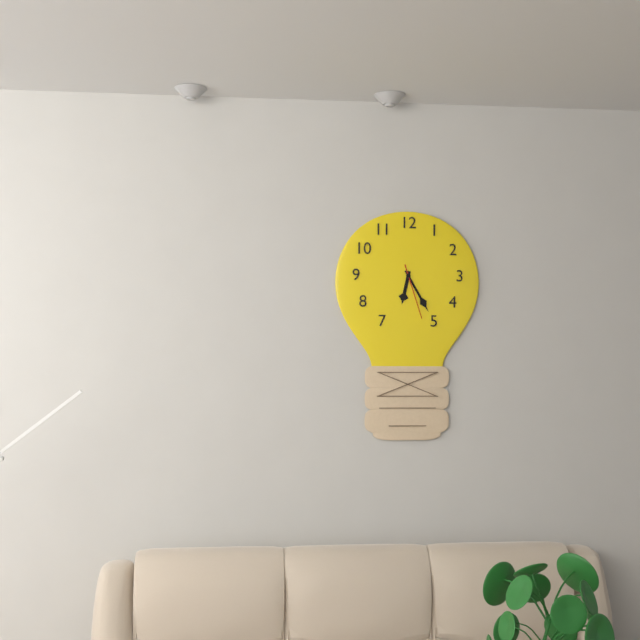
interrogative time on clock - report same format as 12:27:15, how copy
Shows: 6:25:27
